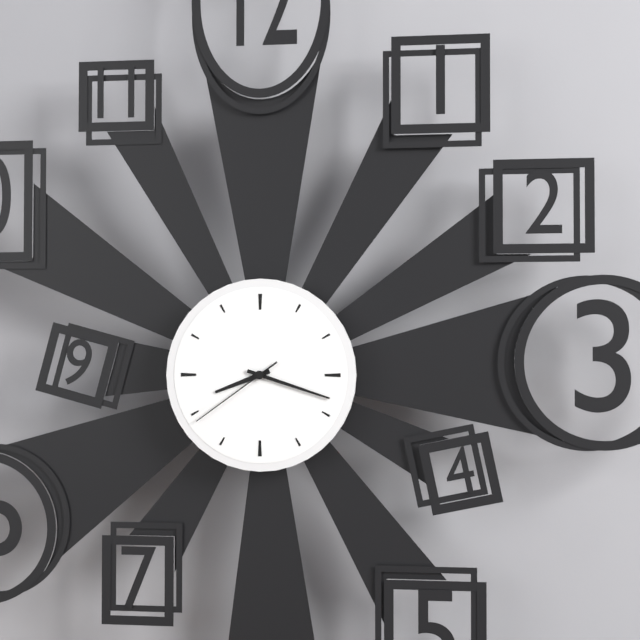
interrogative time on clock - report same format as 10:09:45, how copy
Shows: 8:18:39
